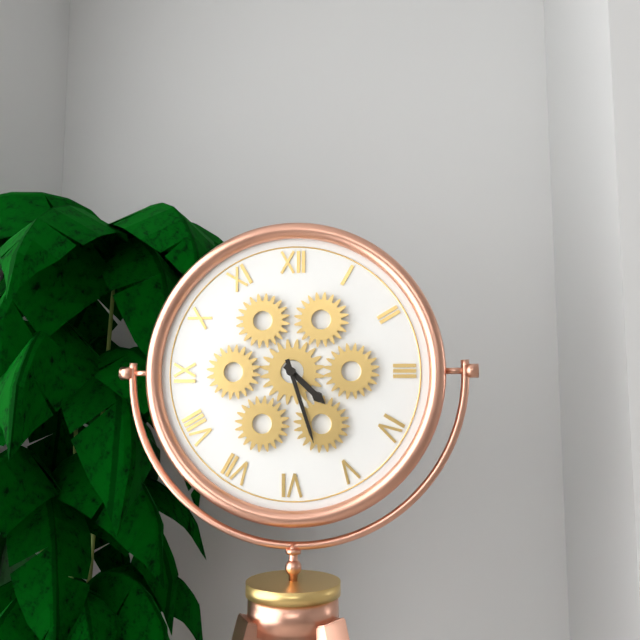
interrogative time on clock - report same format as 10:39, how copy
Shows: 4:27
